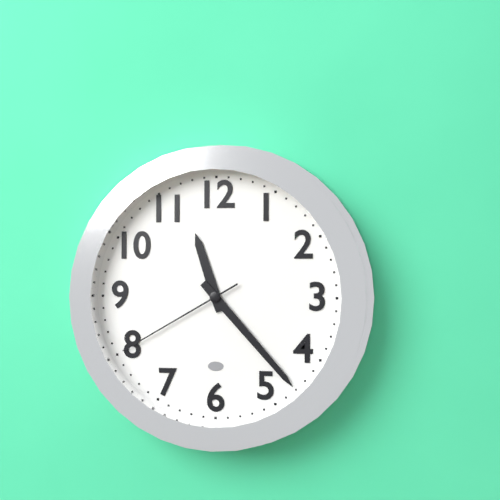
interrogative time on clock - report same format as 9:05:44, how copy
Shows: 11:23:40
